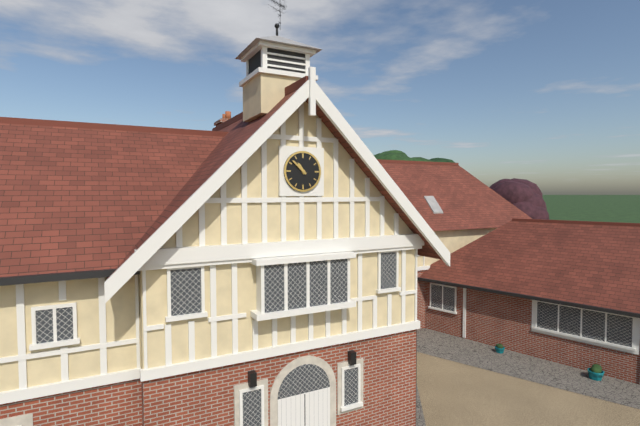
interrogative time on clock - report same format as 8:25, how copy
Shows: 10:52
